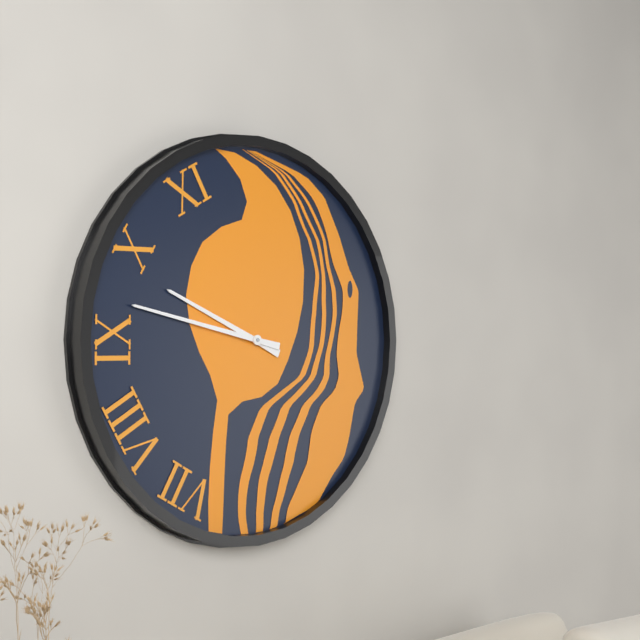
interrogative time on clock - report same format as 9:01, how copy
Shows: 9:47
